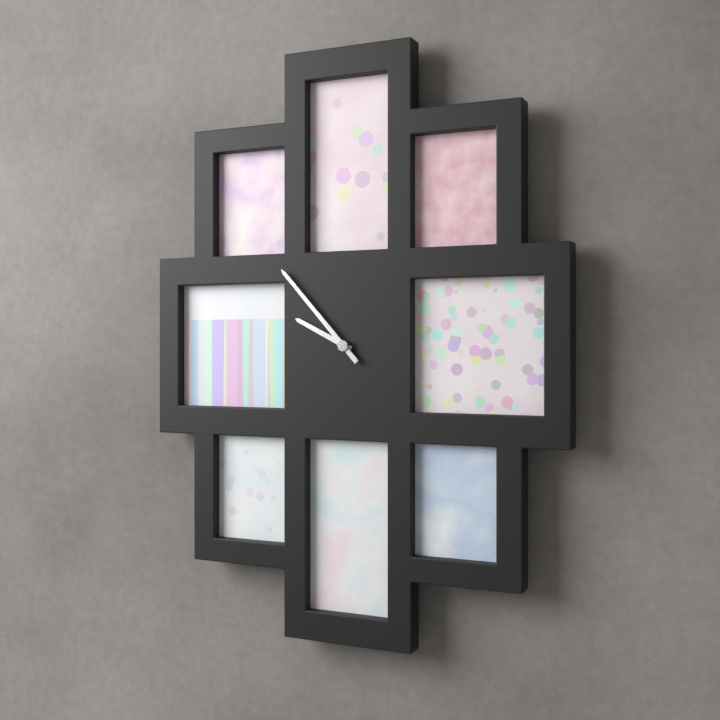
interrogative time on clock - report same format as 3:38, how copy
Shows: 9:53
